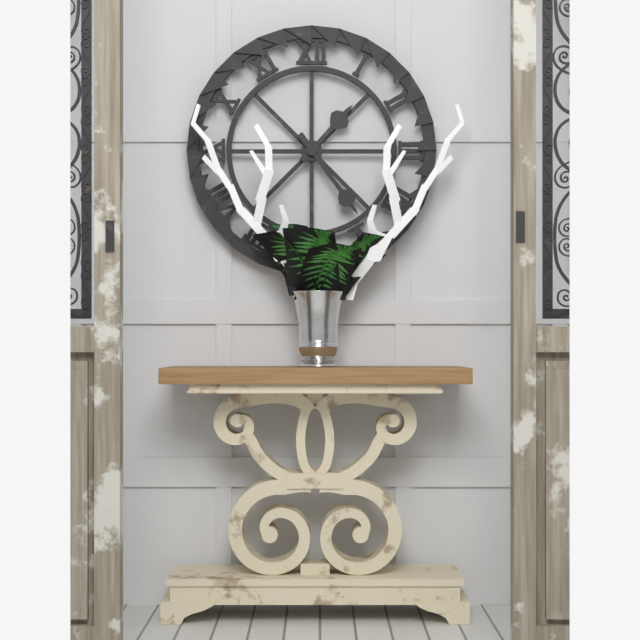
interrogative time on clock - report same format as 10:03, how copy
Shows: 1:24
